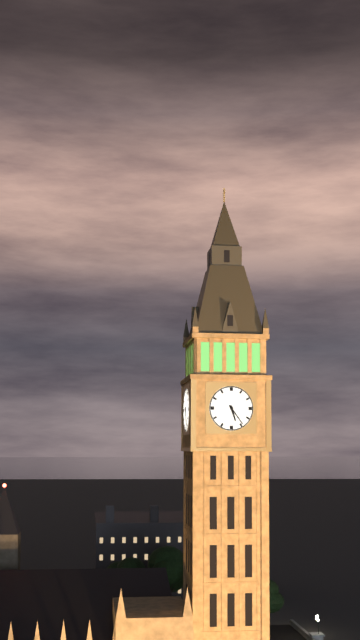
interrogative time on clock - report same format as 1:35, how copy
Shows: 5:24
